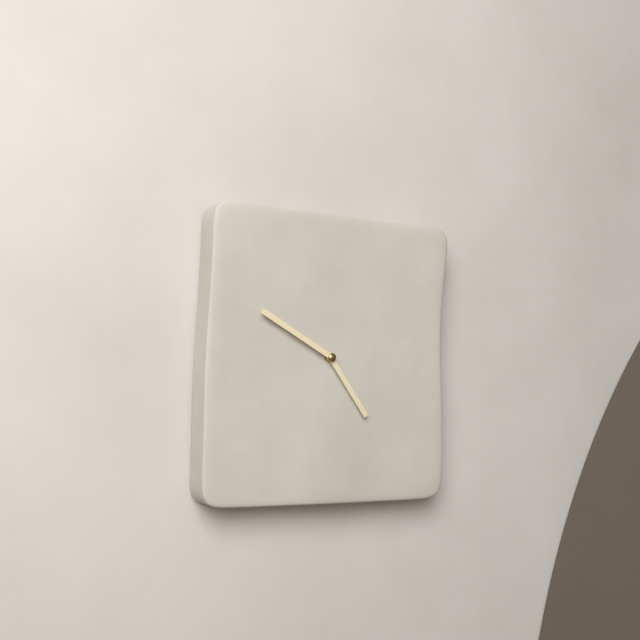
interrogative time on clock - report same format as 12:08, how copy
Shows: 4:50
